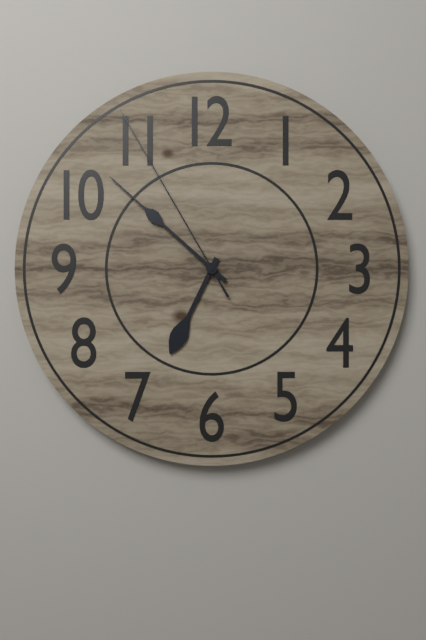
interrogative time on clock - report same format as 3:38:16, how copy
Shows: 6:52:55
